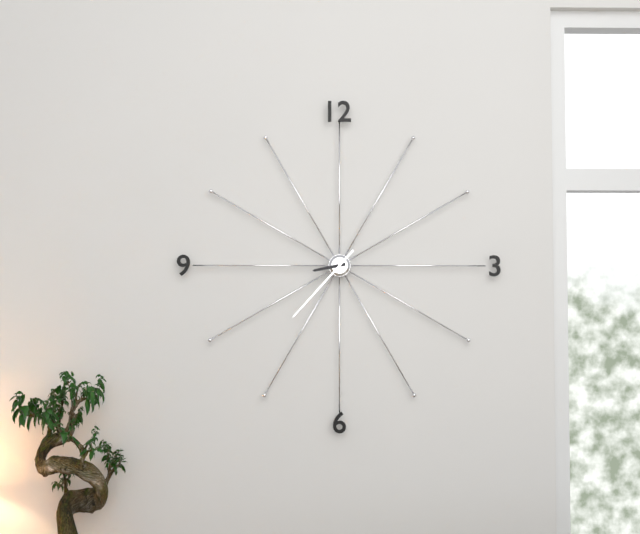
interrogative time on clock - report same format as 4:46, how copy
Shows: 8:37
